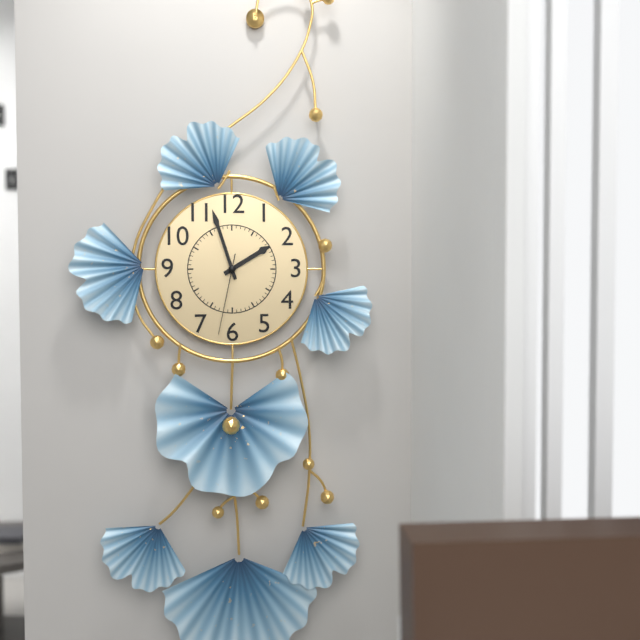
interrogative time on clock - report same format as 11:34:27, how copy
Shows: 1:57:32
